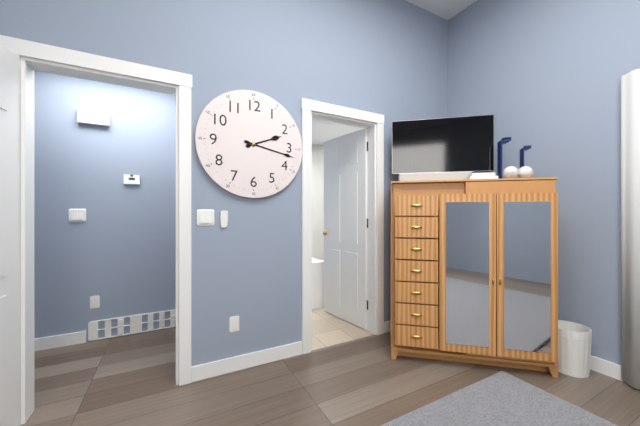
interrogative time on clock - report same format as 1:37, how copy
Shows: 2:17
